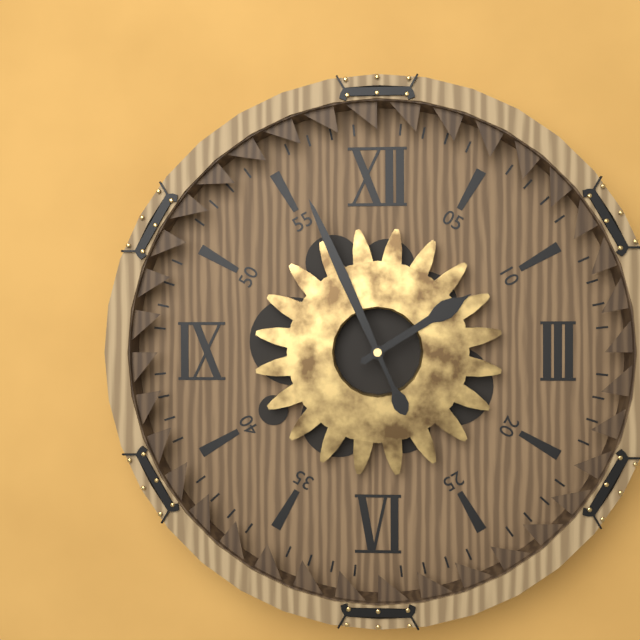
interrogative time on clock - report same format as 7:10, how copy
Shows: 1:56
